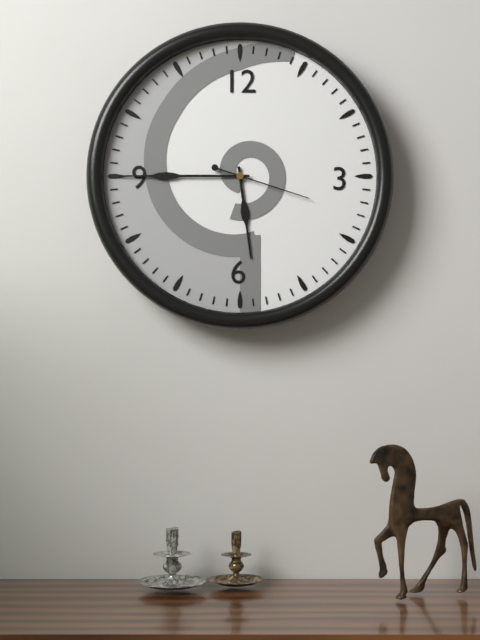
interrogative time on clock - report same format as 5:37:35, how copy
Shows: 5:45:18
